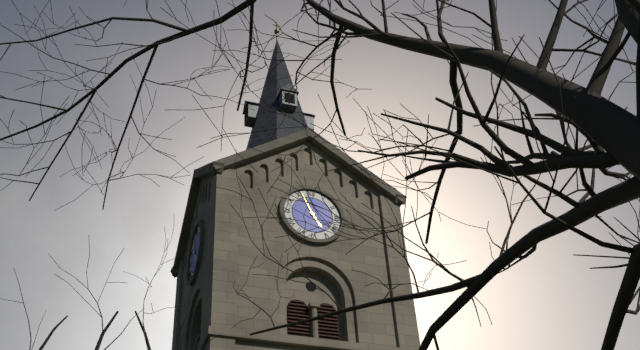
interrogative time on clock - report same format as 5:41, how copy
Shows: 4:56
